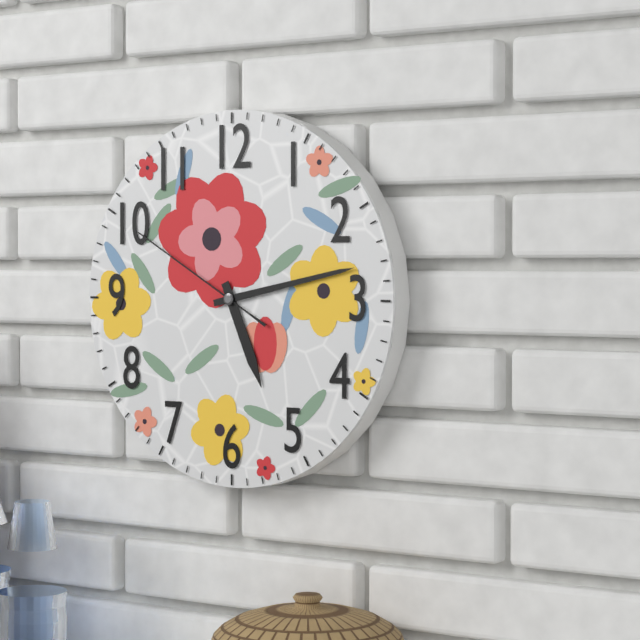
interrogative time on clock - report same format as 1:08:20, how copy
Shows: 5:13:50
